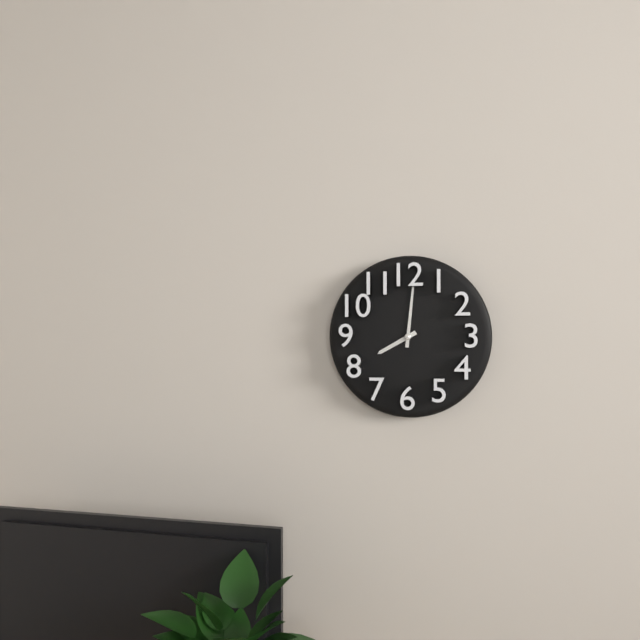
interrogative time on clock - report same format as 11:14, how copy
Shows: 8:01
